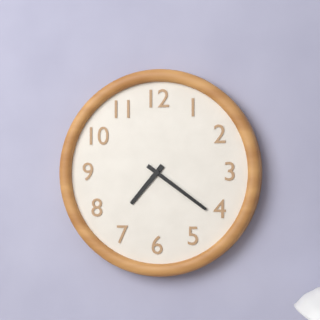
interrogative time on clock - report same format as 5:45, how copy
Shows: 7:21
